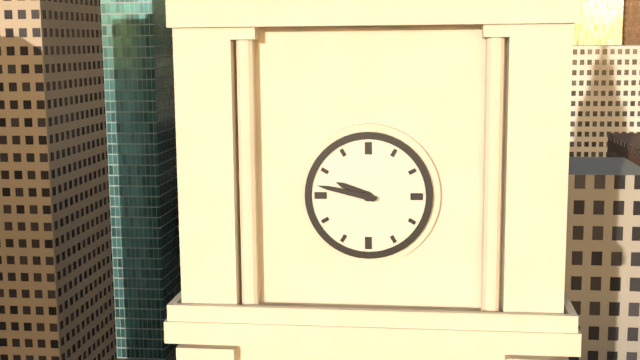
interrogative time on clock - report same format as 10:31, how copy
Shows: 9:47
